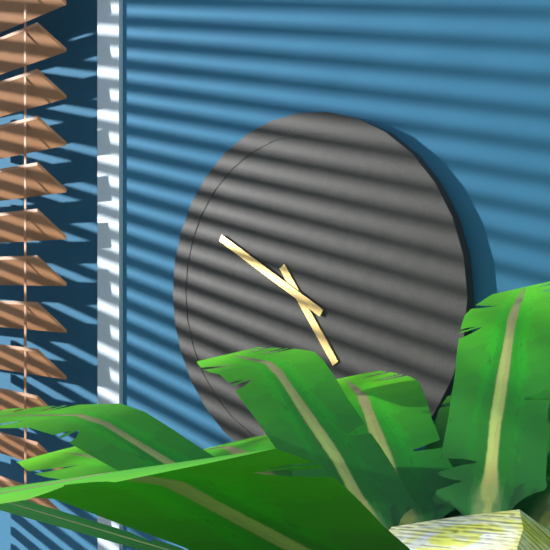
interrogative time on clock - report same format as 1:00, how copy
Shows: 4:50
